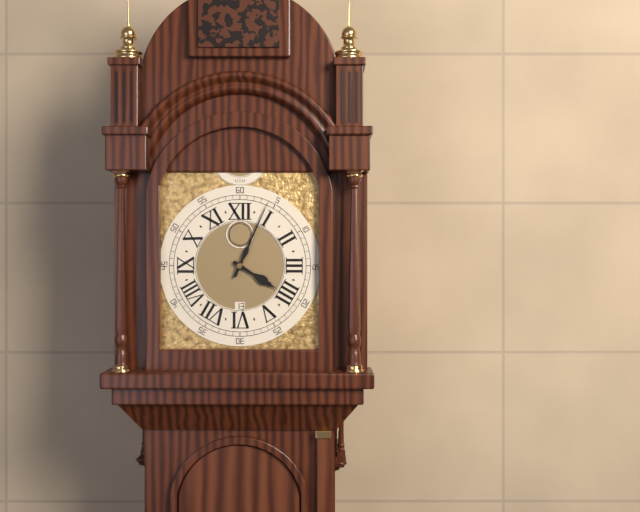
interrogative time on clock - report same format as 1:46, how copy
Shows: 4:04
